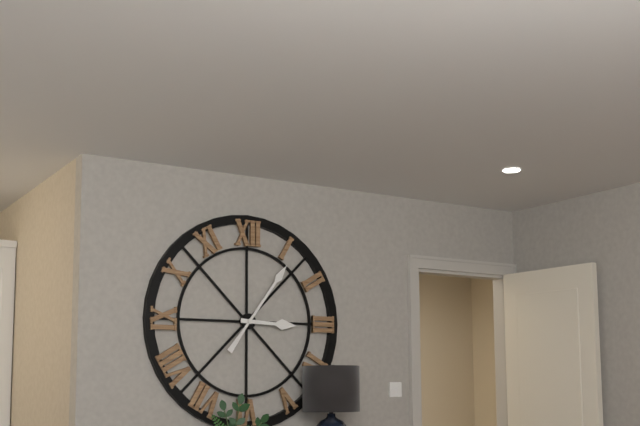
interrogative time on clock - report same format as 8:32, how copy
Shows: 3:06
